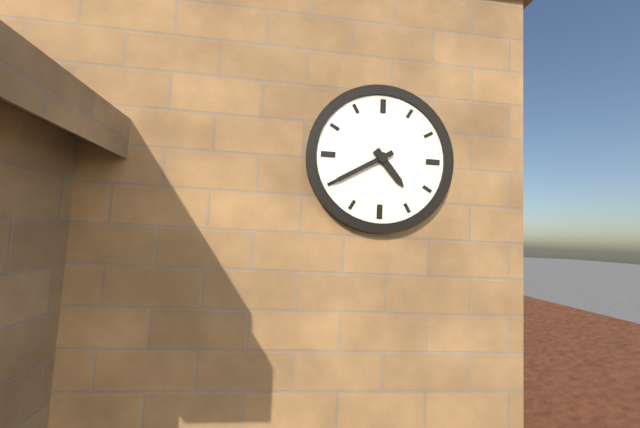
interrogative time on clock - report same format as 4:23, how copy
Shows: 4:40
